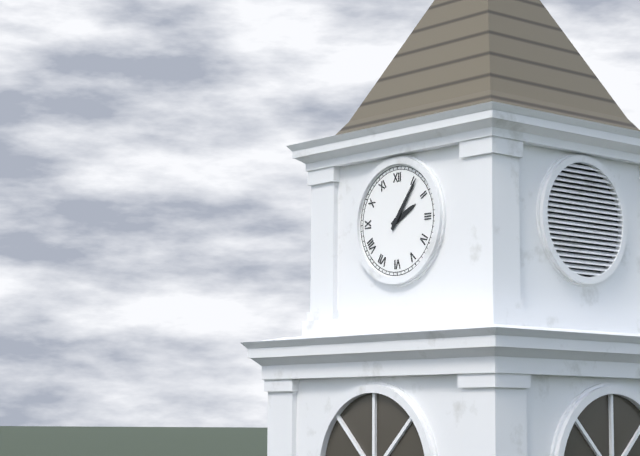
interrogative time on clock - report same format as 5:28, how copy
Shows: 2:06
